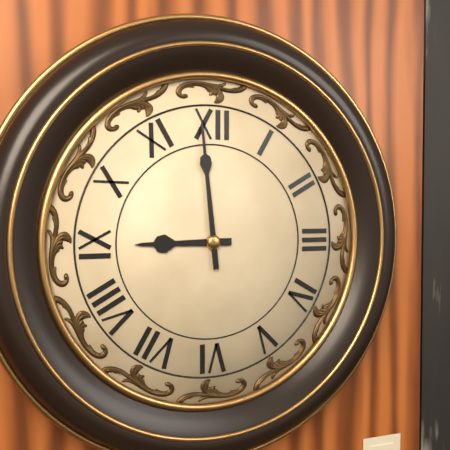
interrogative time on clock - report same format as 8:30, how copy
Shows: 8:59
